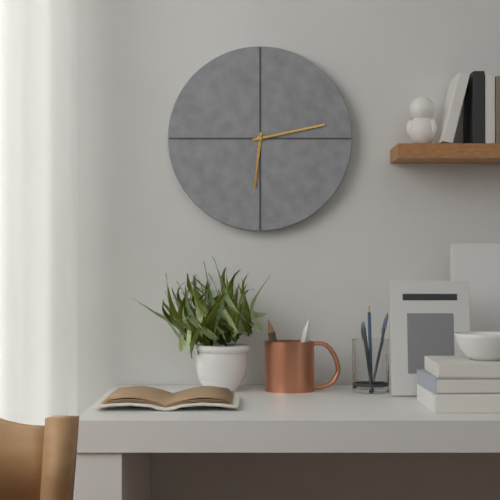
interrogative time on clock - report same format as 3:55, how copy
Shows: 6:13
